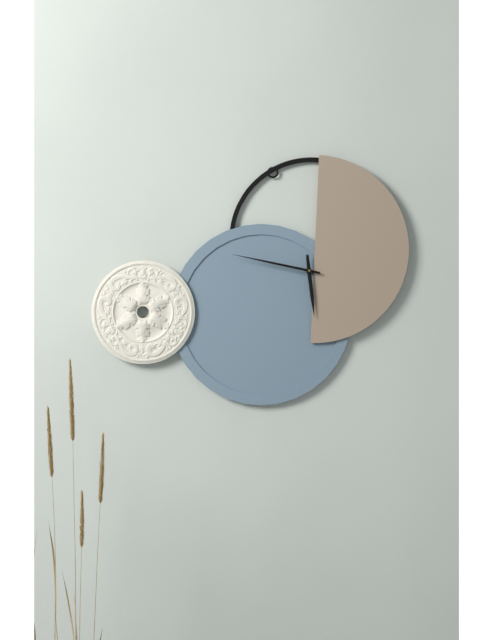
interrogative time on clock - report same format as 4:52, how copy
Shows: 5:47
